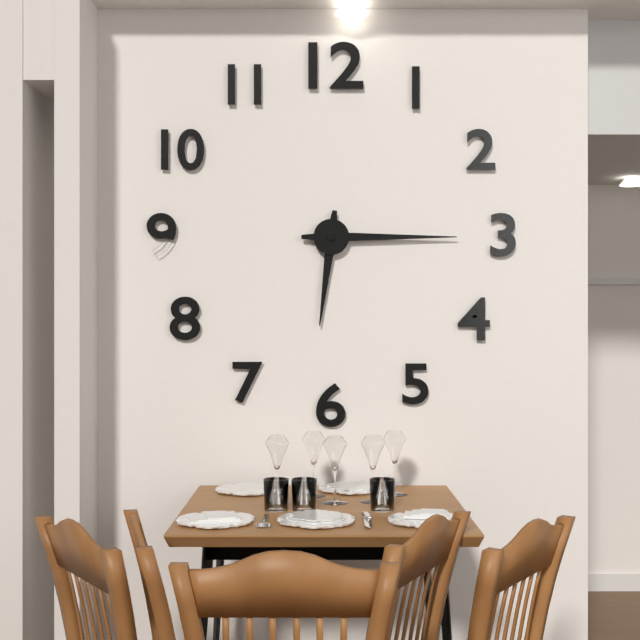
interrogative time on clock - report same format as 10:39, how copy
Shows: 6:15
